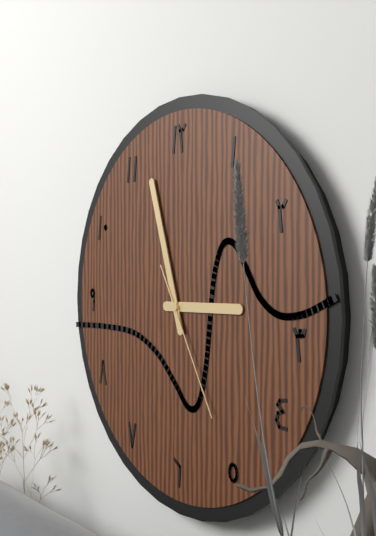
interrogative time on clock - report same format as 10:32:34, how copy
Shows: 2:57:25
